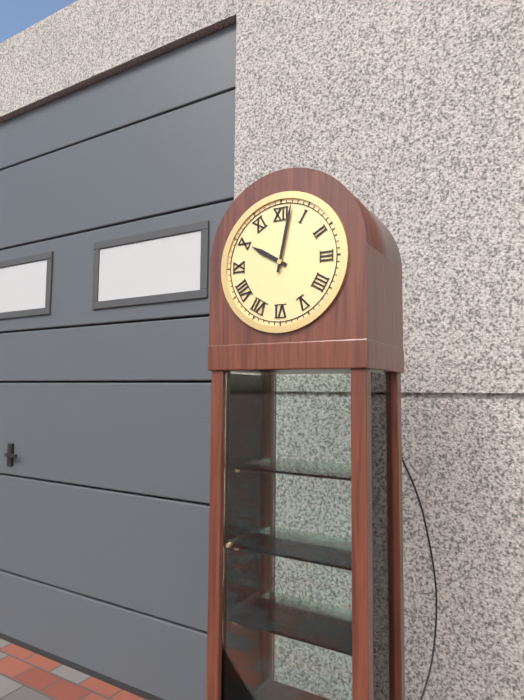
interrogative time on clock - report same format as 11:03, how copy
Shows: 10:02
